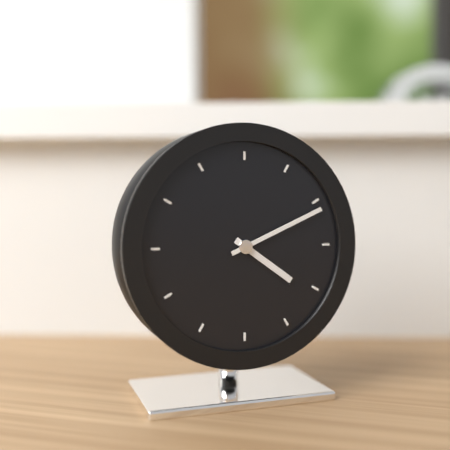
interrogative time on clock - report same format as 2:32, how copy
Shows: 4:11
